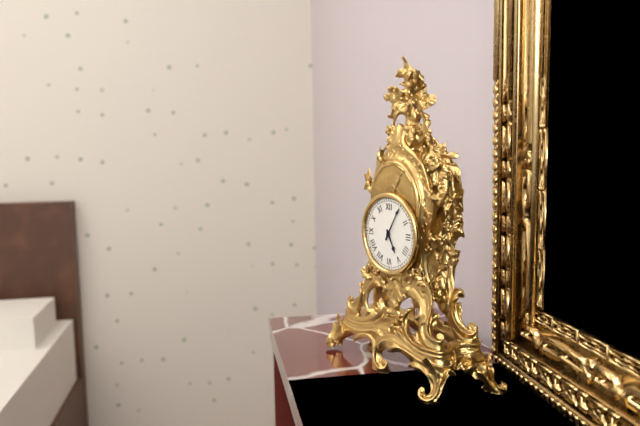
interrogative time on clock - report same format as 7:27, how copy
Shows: 5:05
